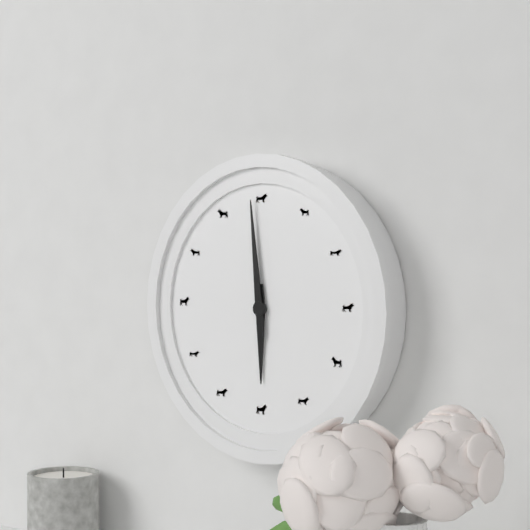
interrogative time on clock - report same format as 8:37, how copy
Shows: 5:59
